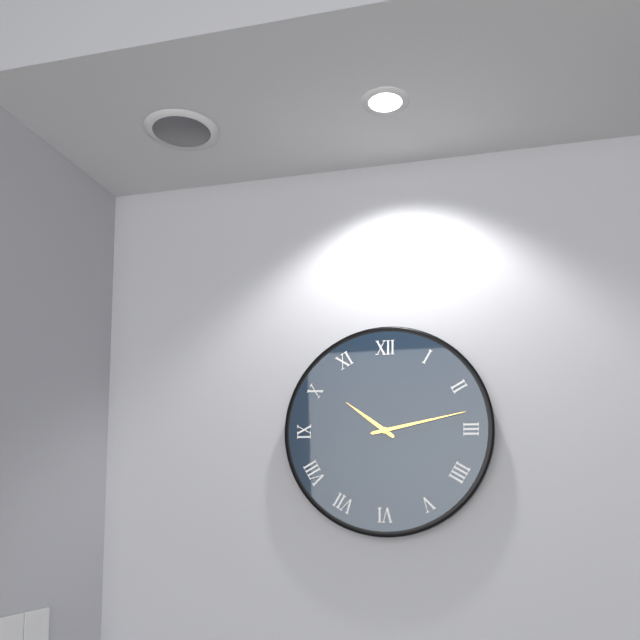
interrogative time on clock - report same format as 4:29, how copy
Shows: 10:13
